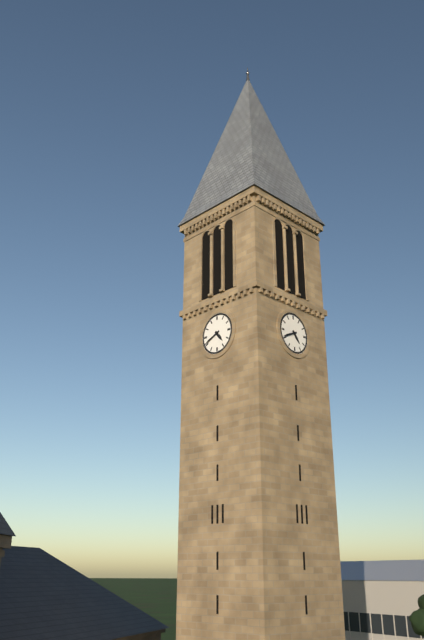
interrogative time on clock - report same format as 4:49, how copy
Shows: 4:41
